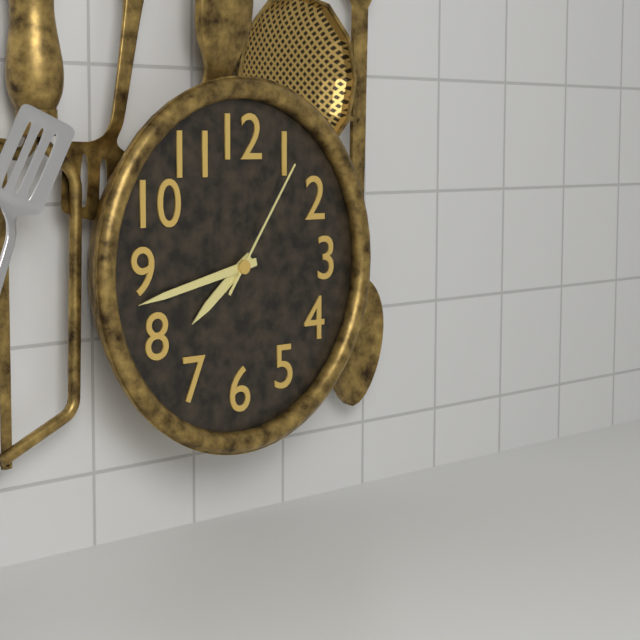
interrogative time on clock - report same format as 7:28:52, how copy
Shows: 7:43:06
